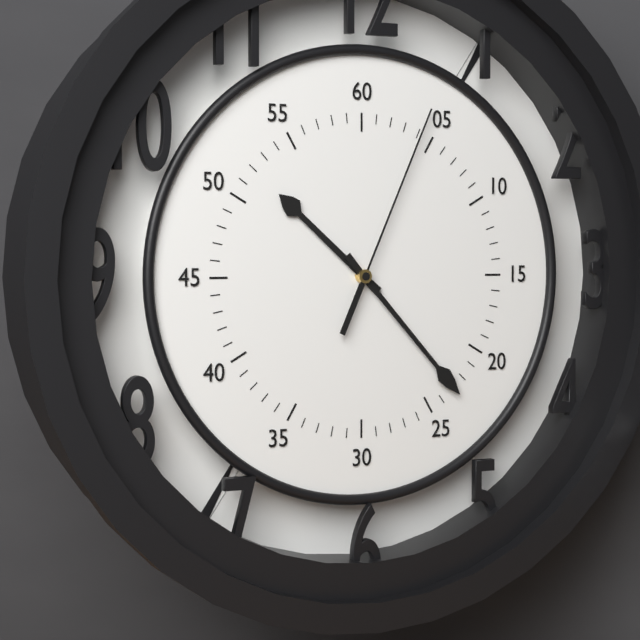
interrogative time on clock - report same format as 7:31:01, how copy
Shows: 10:23:04
